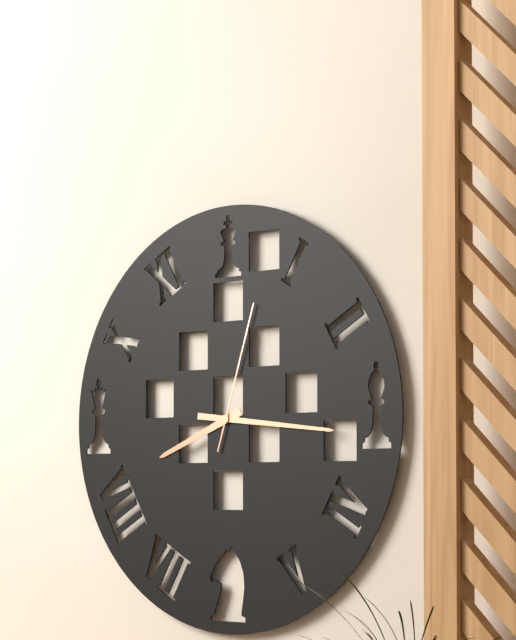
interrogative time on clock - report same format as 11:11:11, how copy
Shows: 8:16:03
